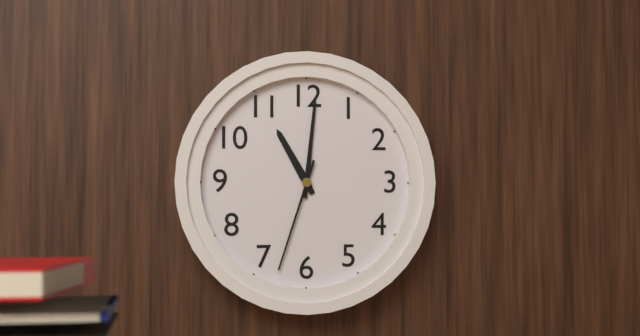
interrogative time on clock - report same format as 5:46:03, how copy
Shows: 11:01:33
